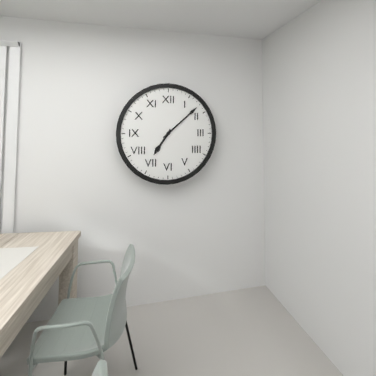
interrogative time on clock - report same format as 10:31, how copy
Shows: 7:08
